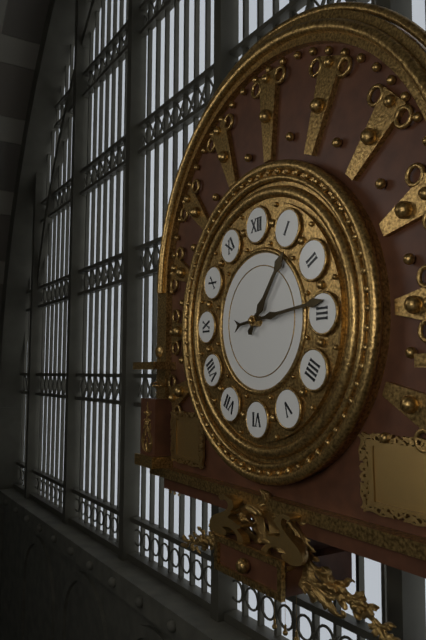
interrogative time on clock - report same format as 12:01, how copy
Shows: 1:14
